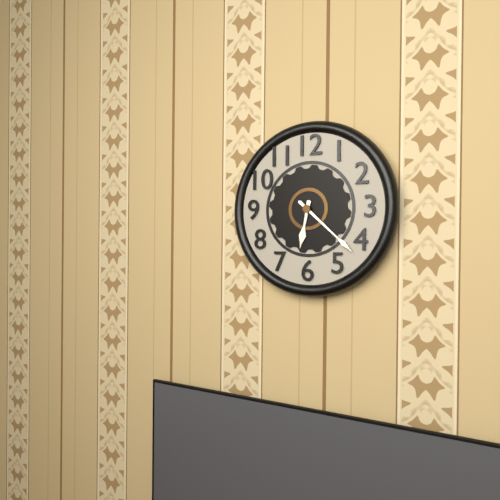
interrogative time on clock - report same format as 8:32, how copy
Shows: 6:22
